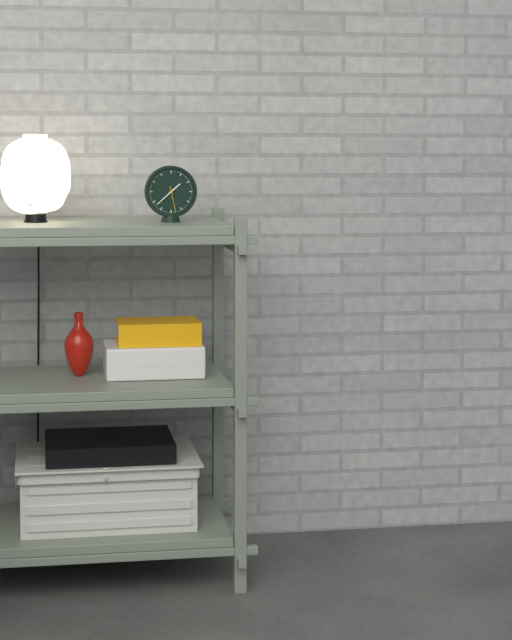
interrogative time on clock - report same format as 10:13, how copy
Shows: 1:38
